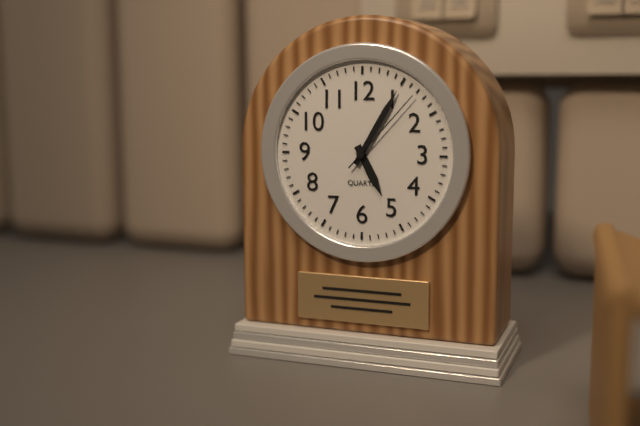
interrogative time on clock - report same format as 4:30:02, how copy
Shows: 5:05:07
